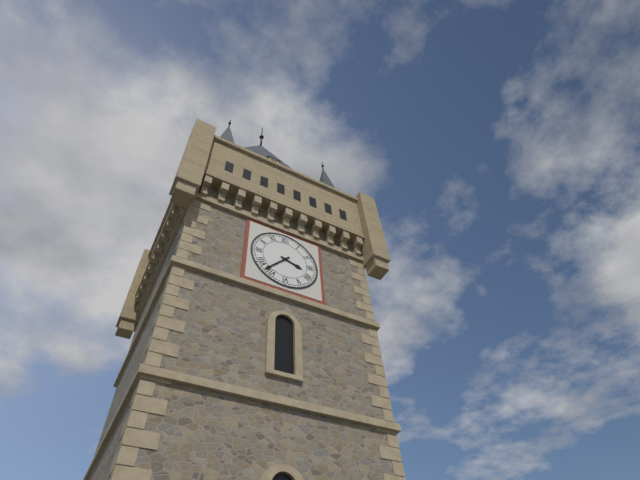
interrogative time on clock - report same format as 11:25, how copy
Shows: 3:37
